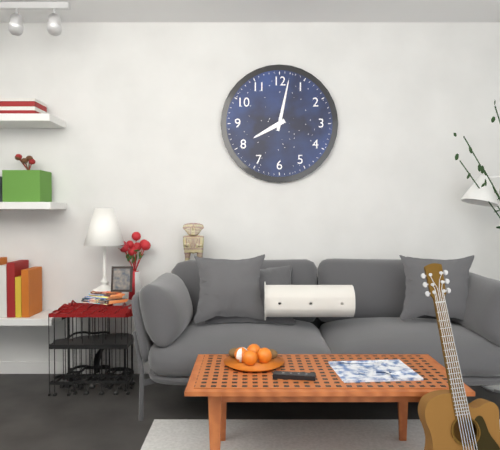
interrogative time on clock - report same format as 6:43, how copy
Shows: 8:02
